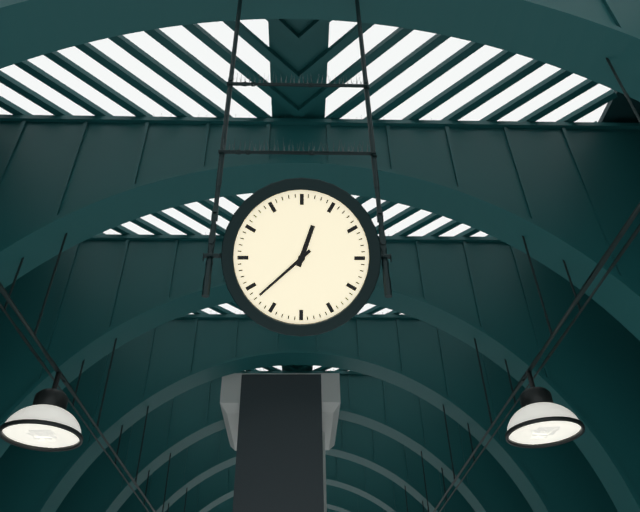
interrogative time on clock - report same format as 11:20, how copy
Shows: 12:38
